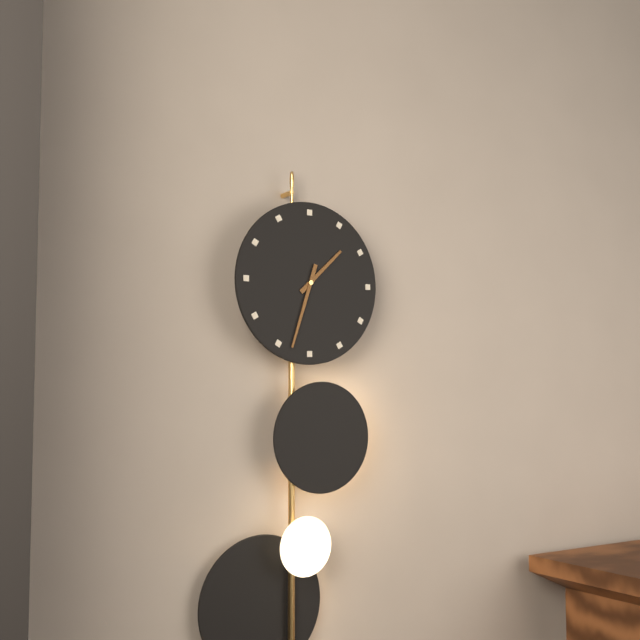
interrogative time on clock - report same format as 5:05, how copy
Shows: 1:33
